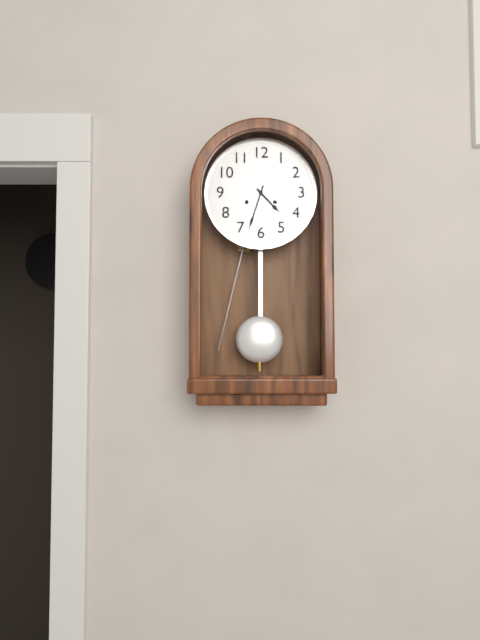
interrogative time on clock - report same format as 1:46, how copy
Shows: 4:33
